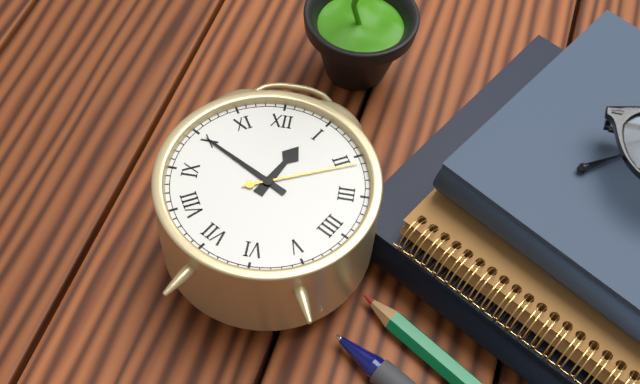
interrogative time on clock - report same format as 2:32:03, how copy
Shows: 12:50:11
